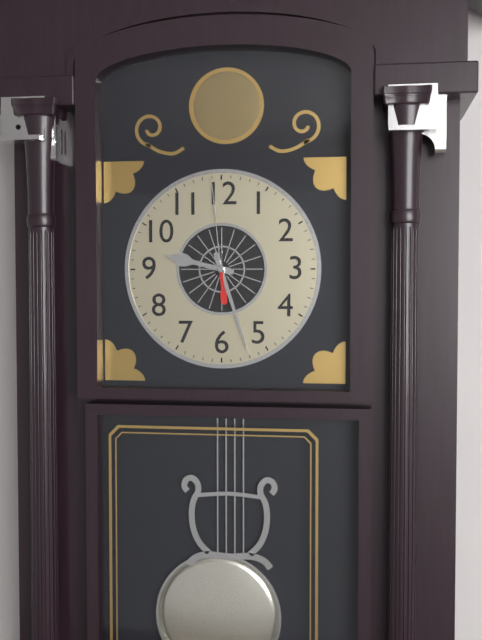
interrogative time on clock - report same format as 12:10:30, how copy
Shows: 9:27:59
